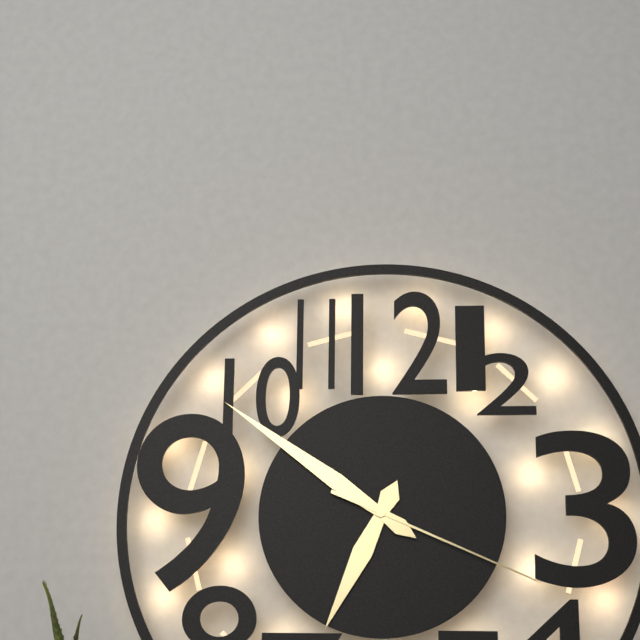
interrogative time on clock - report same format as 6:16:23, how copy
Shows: 6:51:19
